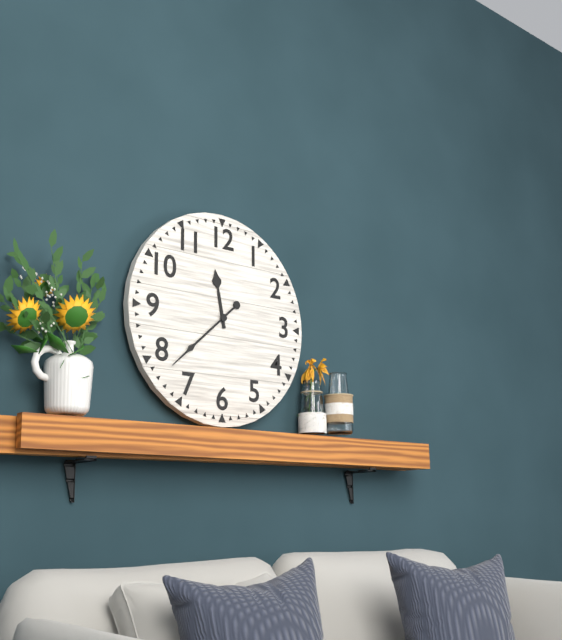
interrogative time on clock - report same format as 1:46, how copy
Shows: 11:38
